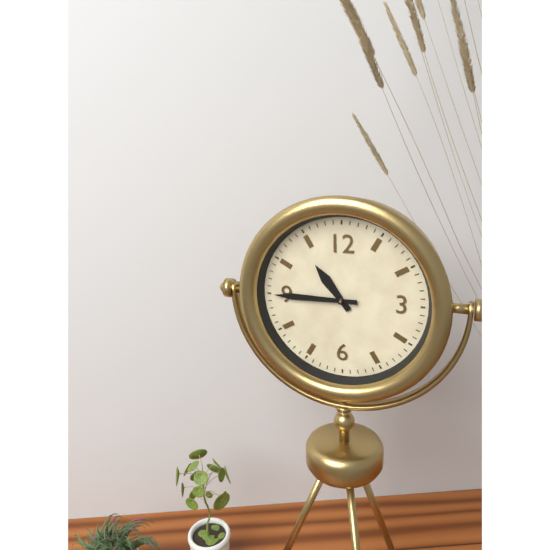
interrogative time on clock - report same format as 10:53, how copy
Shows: 10:45
